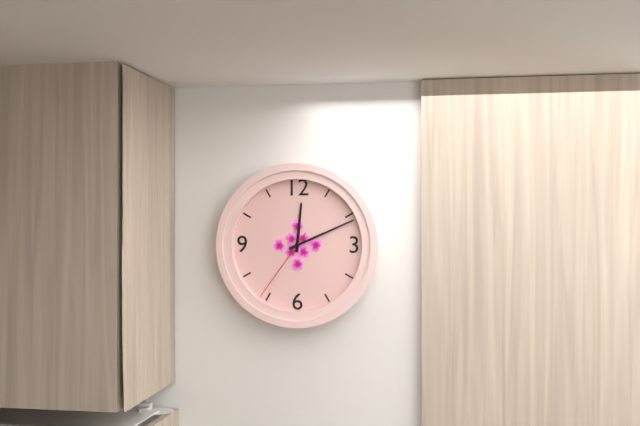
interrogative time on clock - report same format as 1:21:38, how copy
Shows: 12:11:36
